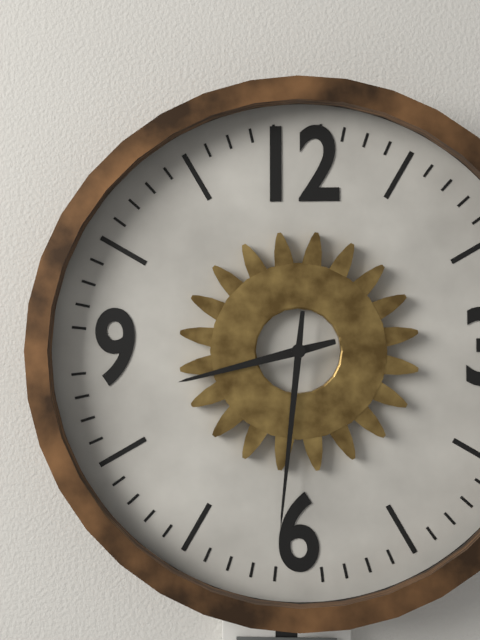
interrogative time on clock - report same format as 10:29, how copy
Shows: 8:31
